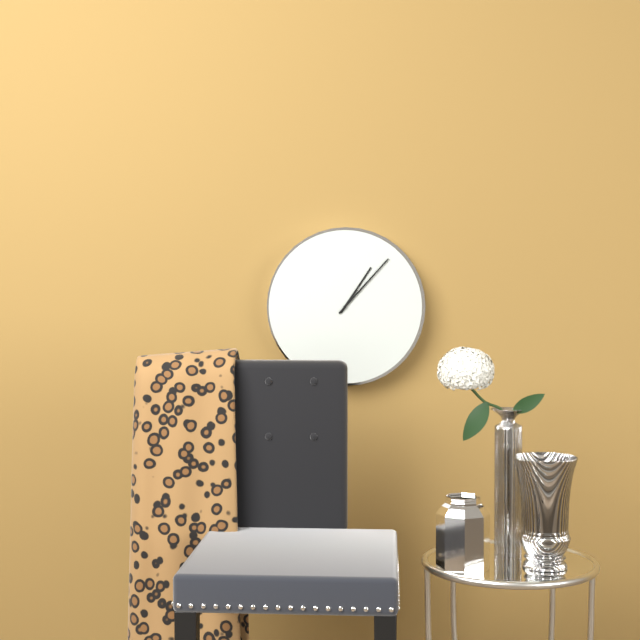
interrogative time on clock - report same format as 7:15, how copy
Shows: 1:07
